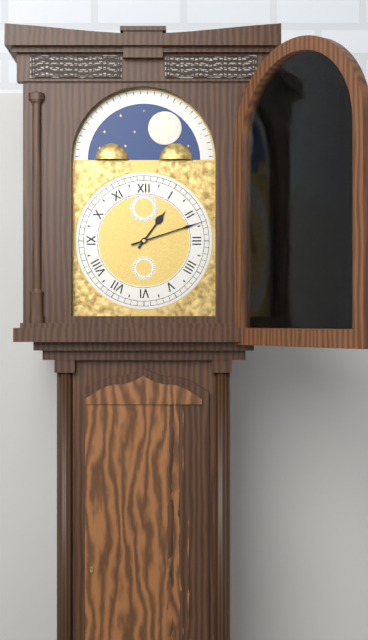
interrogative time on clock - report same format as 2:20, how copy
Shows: 1:12
